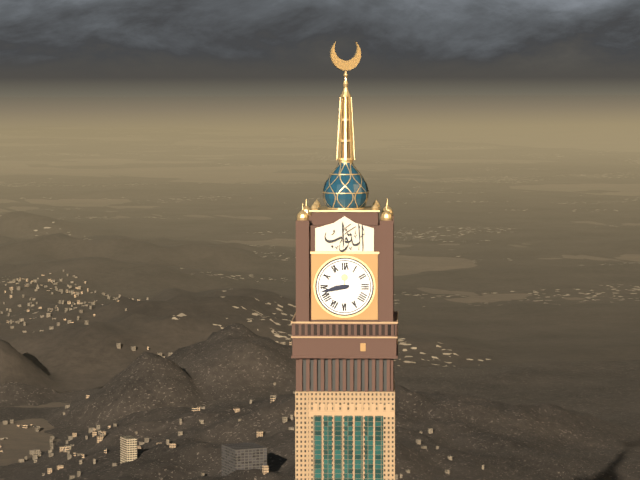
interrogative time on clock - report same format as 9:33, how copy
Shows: 8:43
